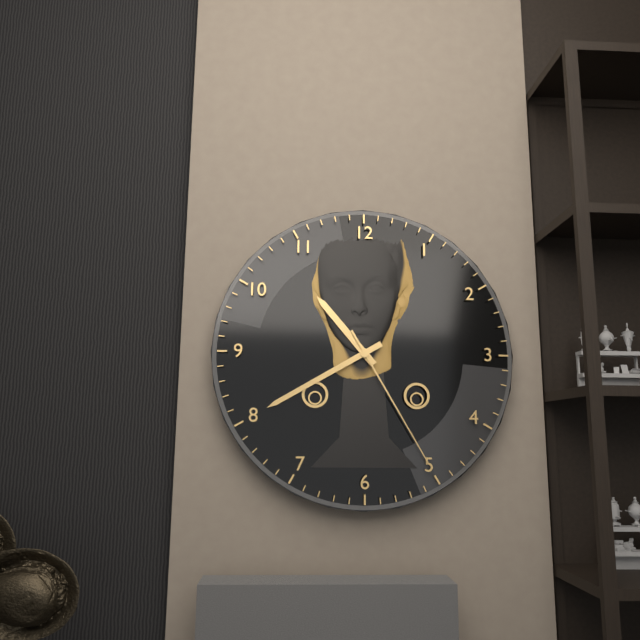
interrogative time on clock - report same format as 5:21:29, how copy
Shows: 10:40:25
